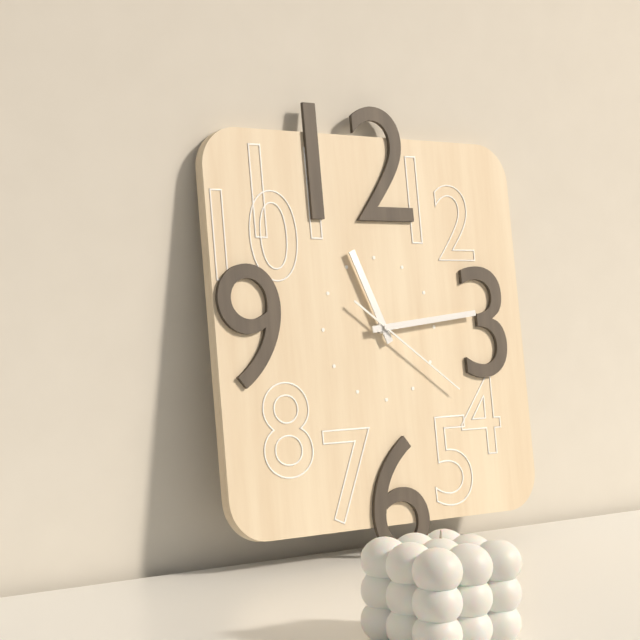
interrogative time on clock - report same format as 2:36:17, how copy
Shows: 11:14:21
